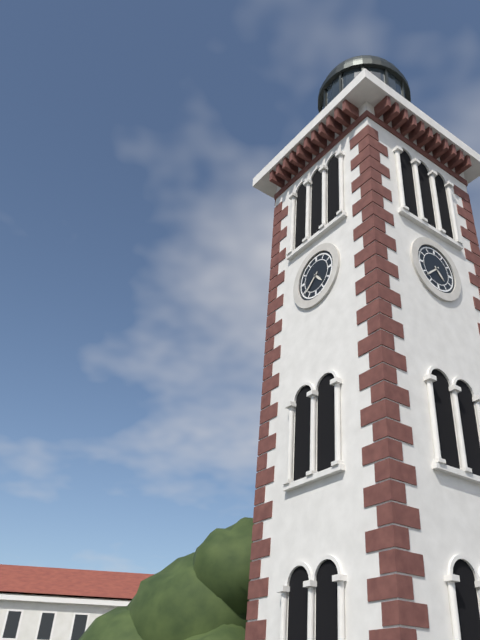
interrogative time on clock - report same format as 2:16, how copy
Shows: 4:38
